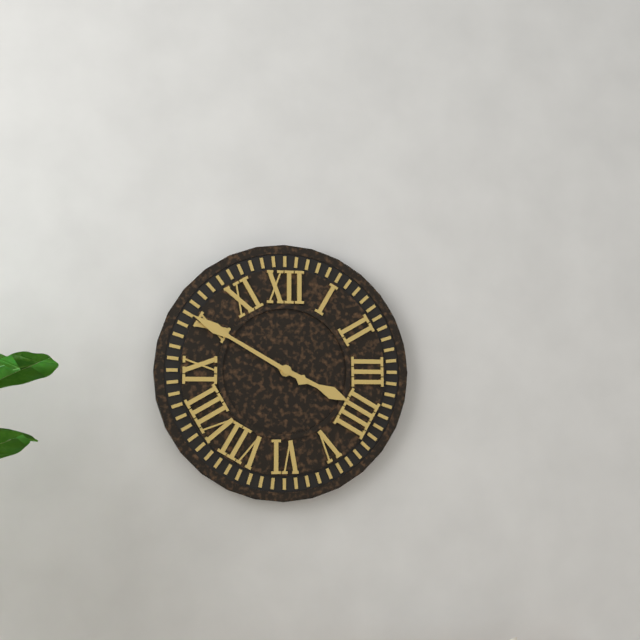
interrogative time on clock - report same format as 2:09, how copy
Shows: 3:50
